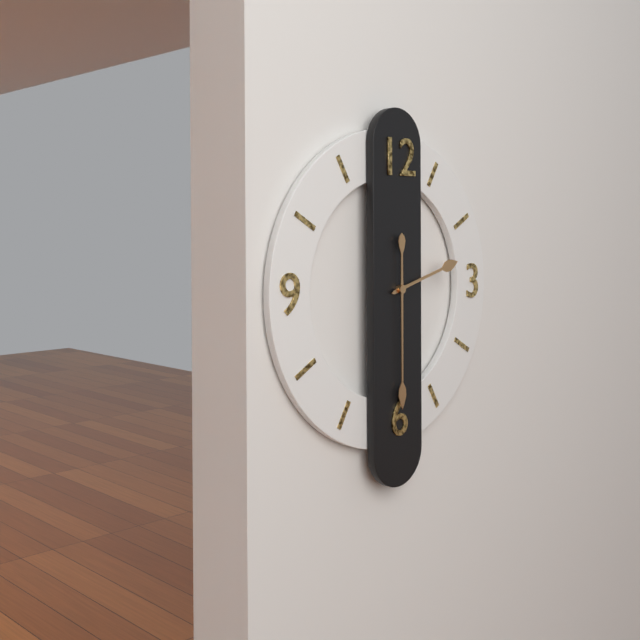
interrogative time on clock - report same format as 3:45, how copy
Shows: 2:30
